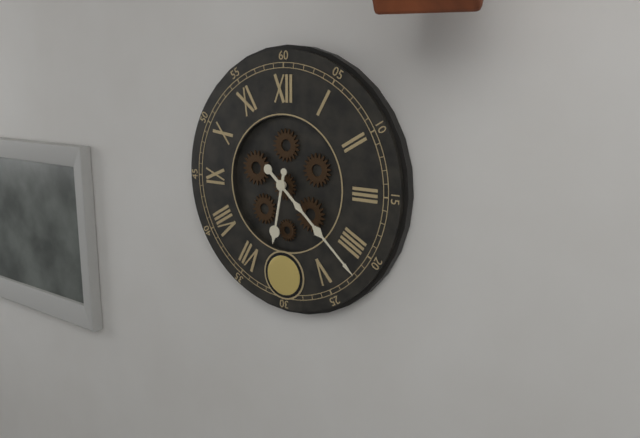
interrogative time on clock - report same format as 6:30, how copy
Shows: 6:22
